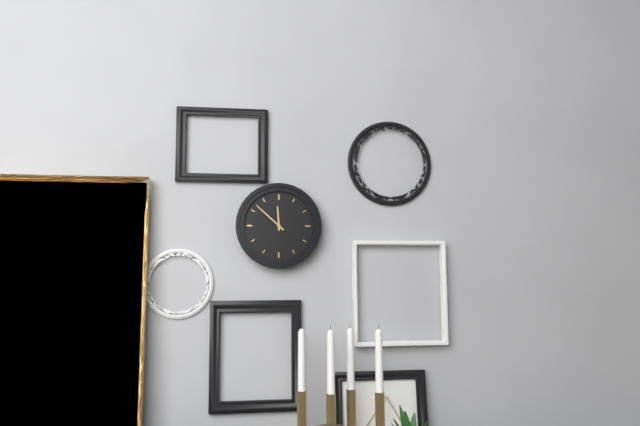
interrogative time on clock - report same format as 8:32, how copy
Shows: 11:52
